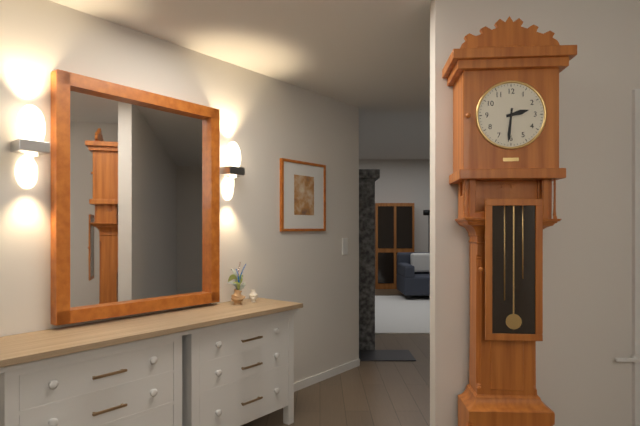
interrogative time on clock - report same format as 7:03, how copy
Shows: 2:31
